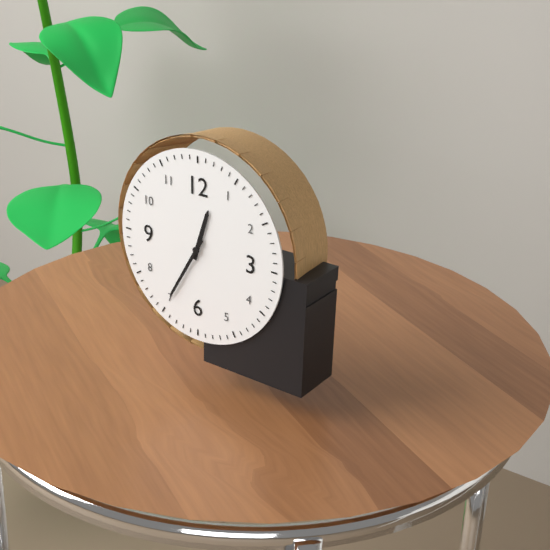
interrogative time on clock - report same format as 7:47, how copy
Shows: 12:35
